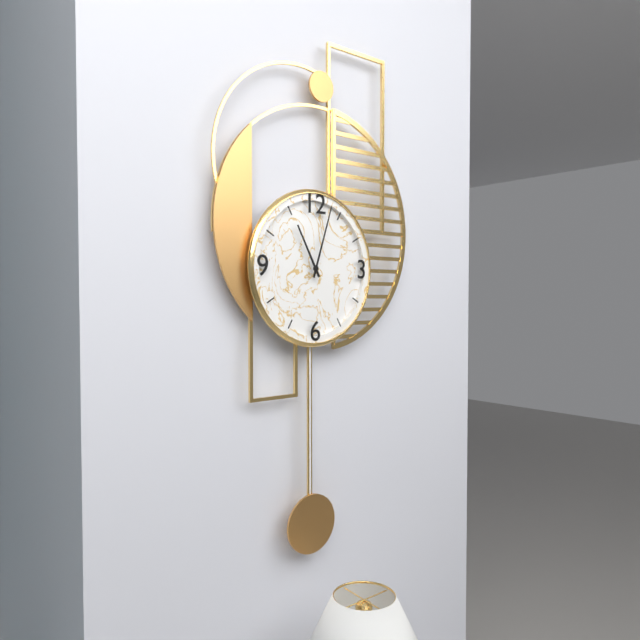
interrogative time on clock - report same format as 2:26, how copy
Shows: 11:03
